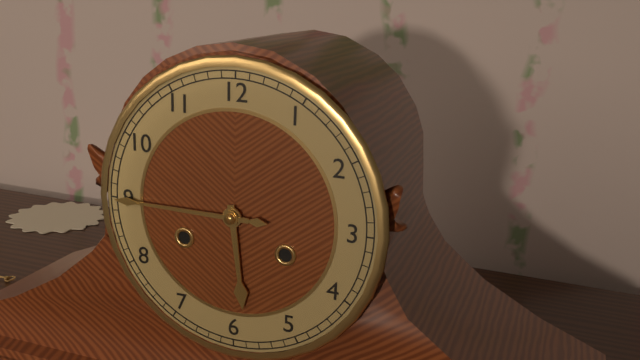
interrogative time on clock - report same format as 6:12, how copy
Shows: 5:45
